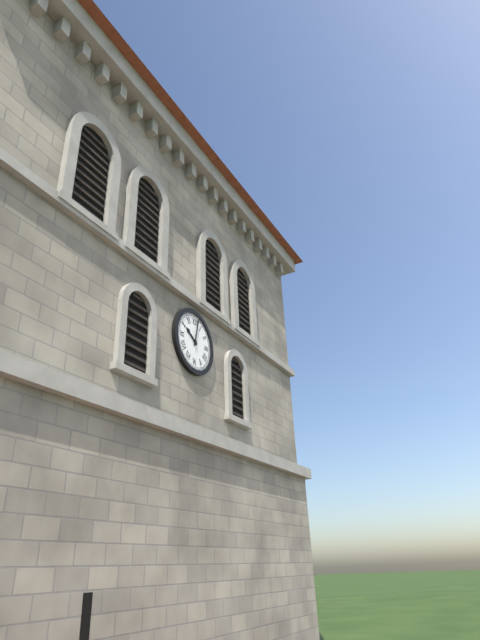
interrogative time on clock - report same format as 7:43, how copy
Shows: 10:02
